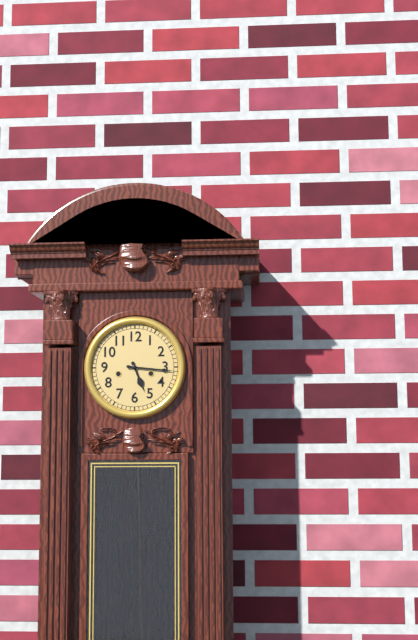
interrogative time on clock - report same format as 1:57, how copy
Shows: 5:16
